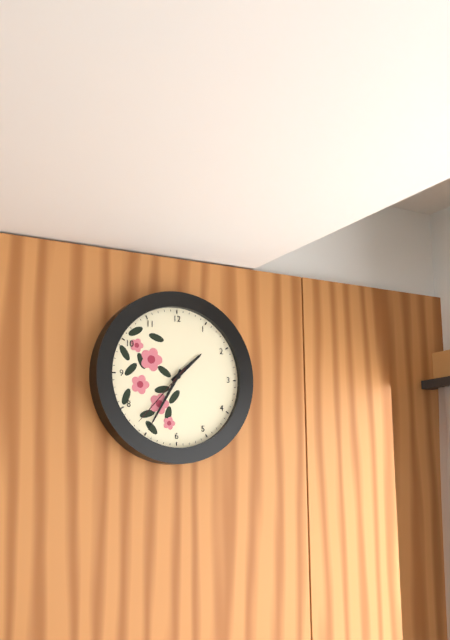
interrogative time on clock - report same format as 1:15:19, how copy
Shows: 1:35:37
